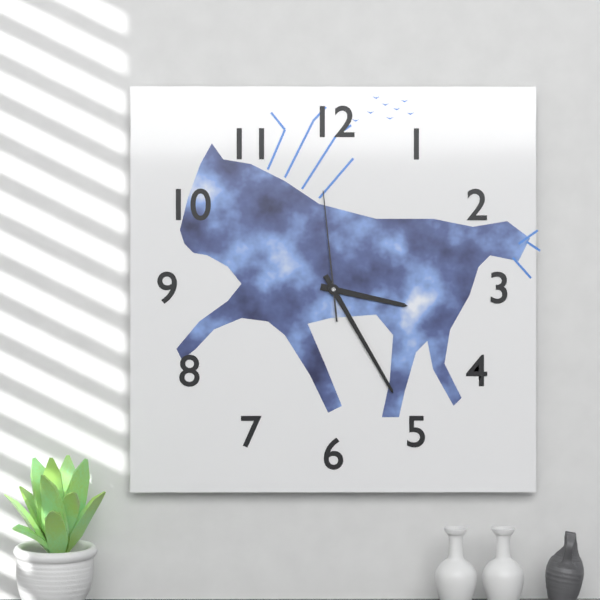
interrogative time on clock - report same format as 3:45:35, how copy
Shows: 3:25:59
